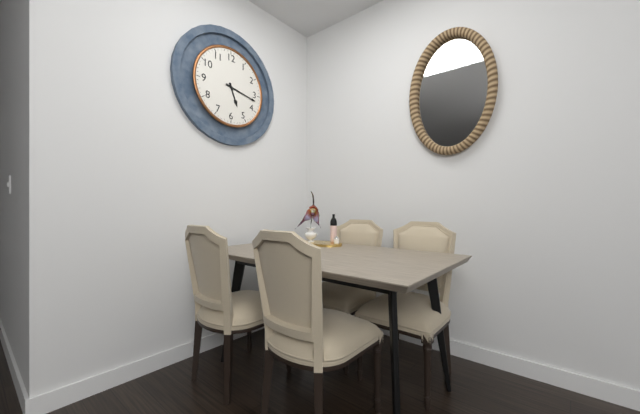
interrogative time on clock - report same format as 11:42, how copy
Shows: 5:17
